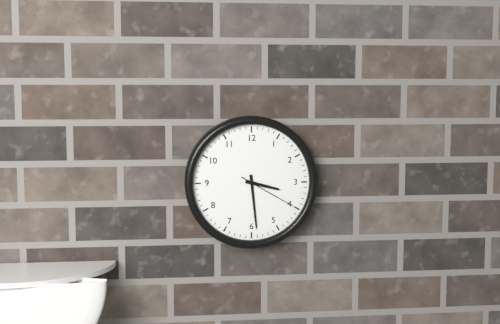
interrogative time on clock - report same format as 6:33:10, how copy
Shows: 3:29:20
